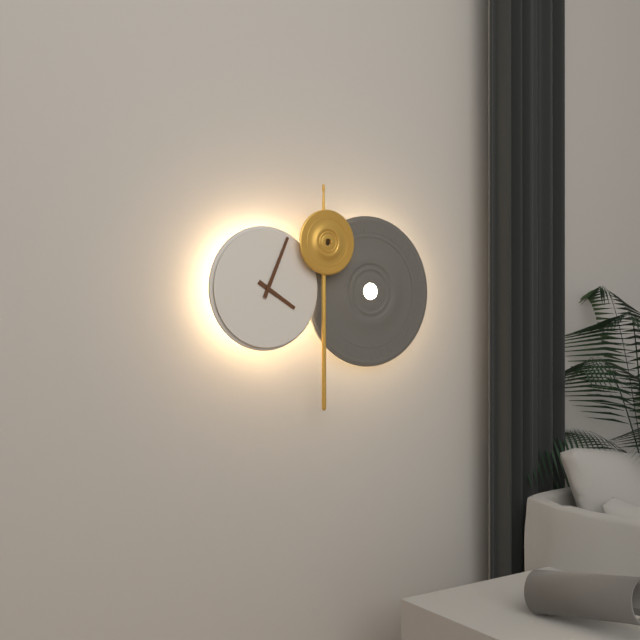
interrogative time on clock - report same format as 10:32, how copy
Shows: 4:04
